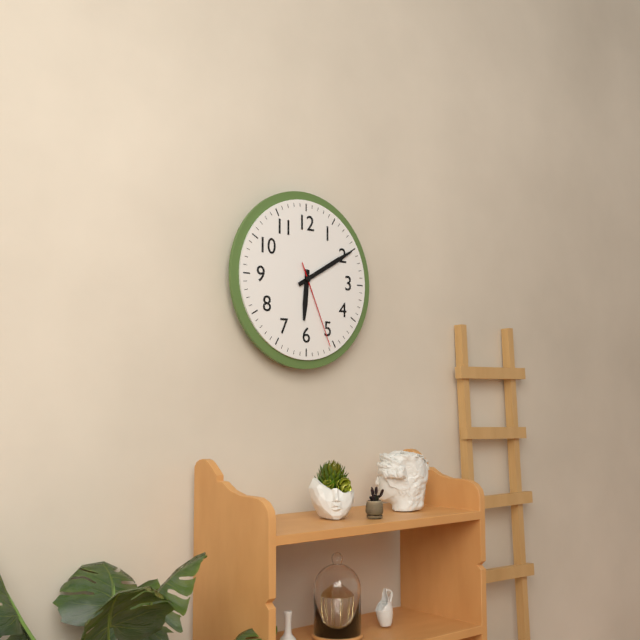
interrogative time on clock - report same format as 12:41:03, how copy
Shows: 6:10:26
